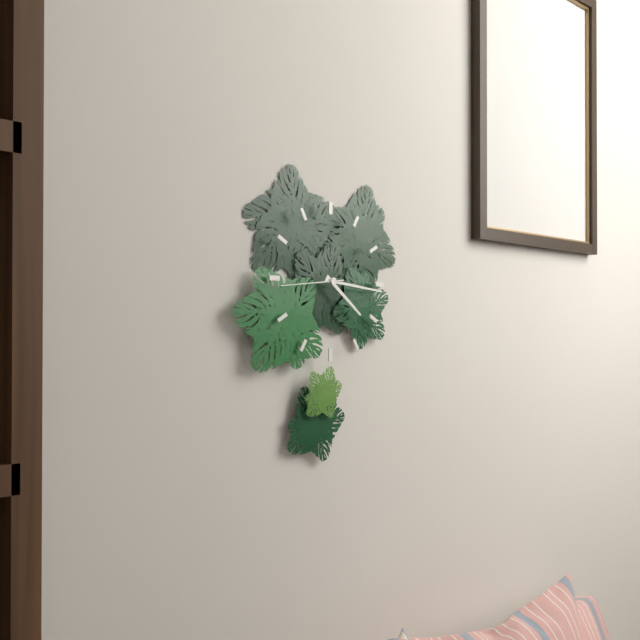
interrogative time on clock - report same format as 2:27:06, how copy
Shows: 4:16:44
